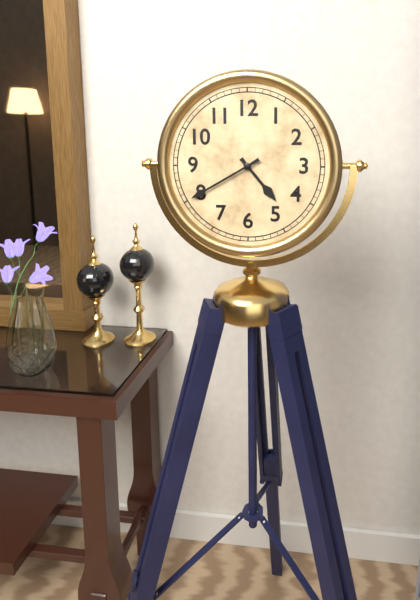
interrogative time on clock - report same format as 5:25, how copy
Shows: 4:40
